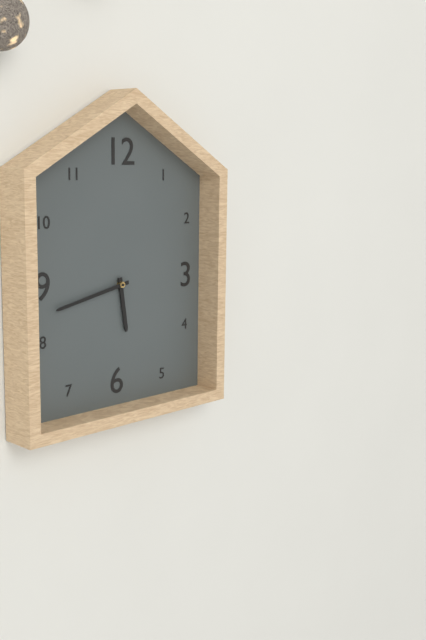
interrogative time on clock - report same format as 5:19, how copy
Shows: 5:43
